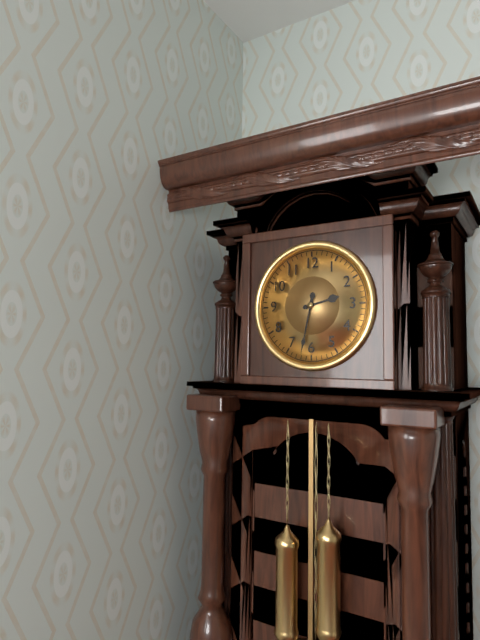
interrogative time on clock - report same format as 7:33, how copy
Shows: 2:32
